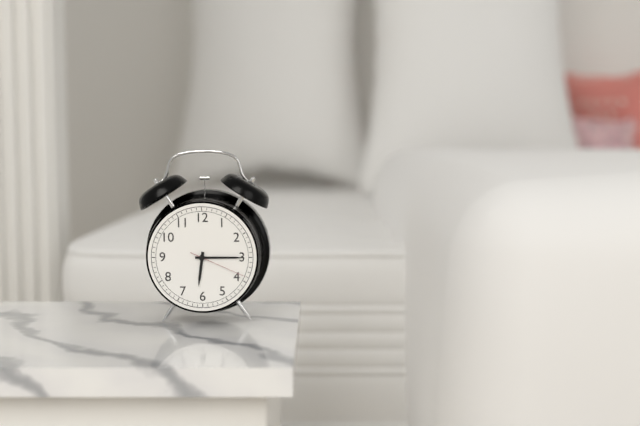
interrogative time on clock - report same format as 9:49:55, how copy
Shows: 6:15:19
